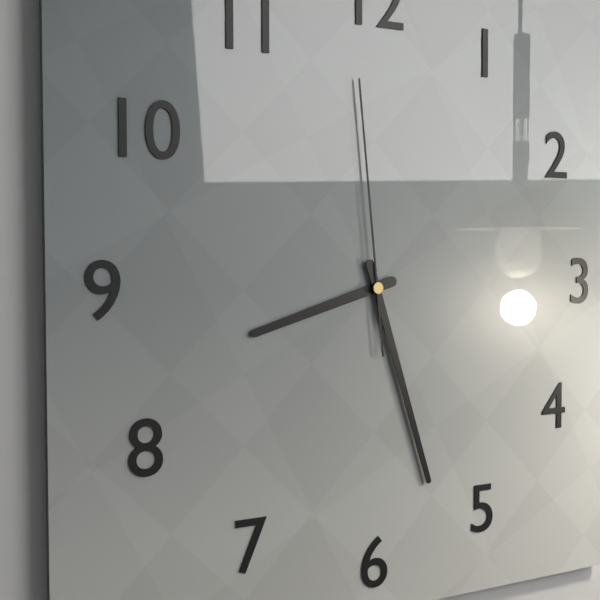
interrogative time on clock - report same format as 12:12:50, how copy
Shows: 8:27:59
